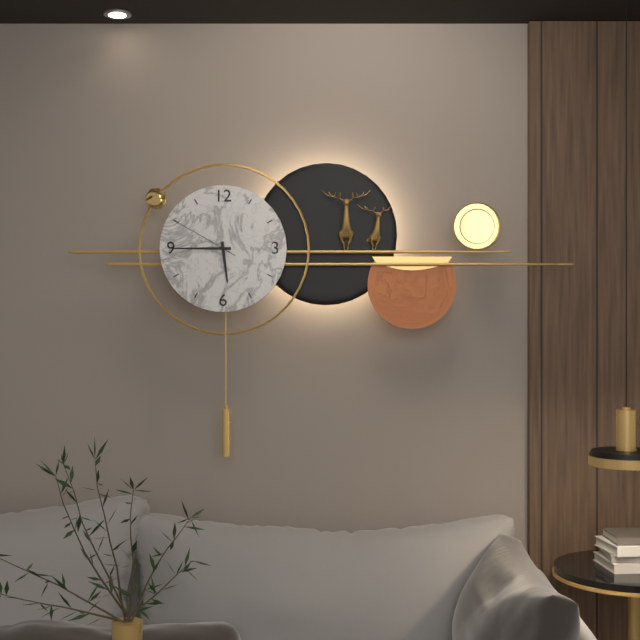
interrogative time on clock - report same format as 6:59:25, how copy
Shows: 5:45:50
